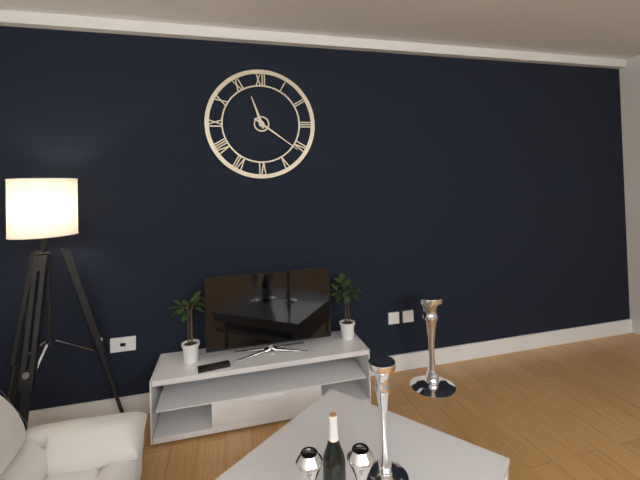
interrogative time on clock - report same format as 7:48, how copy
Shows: 11:21
